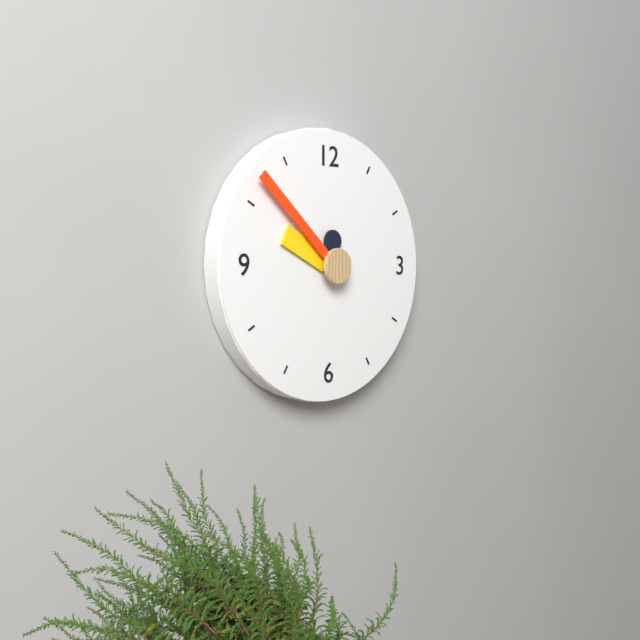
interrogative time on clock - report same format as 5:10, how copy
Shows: 9:52
